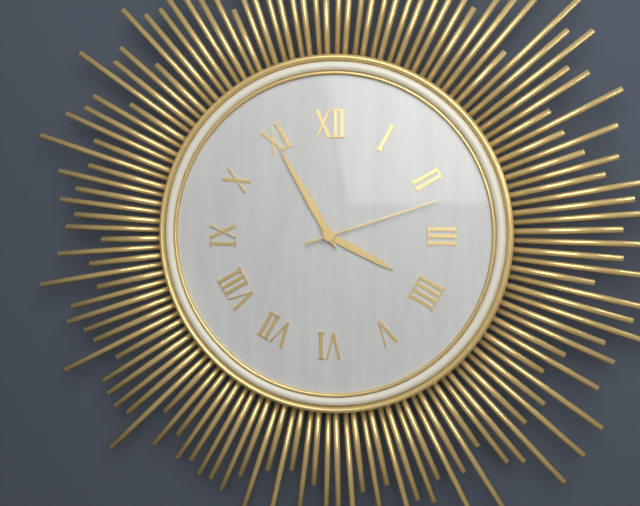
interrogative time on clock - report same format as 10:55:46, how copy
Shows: 3:55:12
